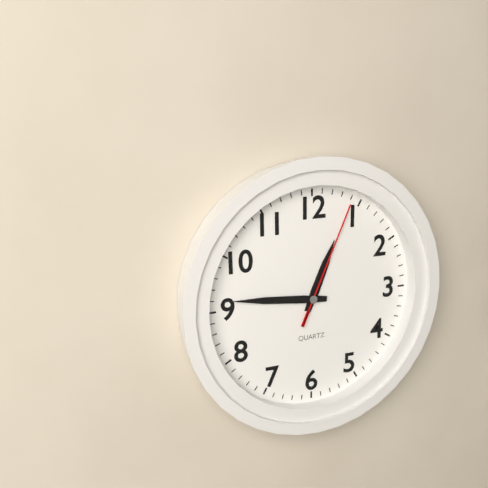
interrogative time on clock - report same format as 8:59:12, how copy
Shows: 12:46:04
